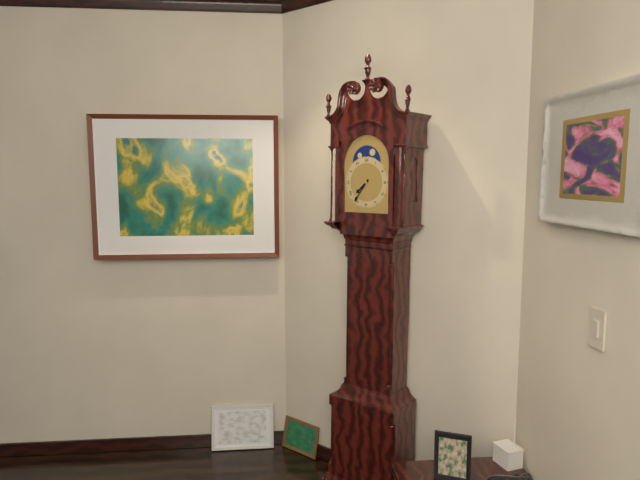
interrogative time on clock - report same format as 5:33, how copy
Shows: 7:36
